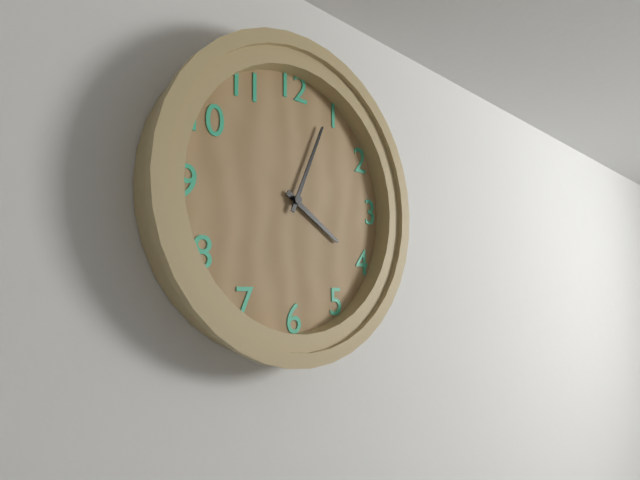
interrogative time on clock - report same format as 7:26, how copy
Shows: 4:04
